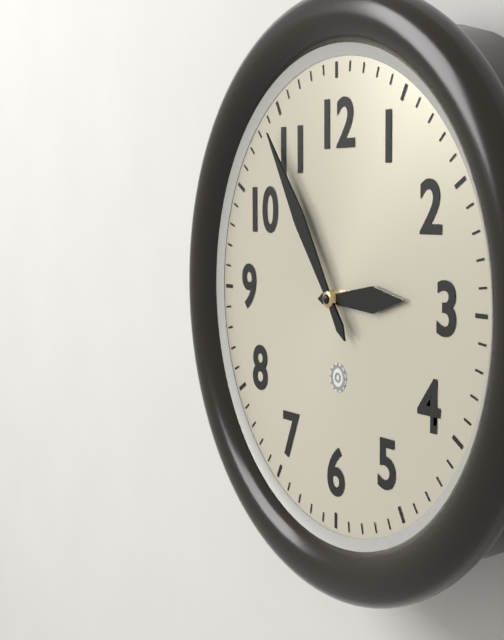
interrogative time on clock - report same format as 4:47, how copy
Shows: 2:54
